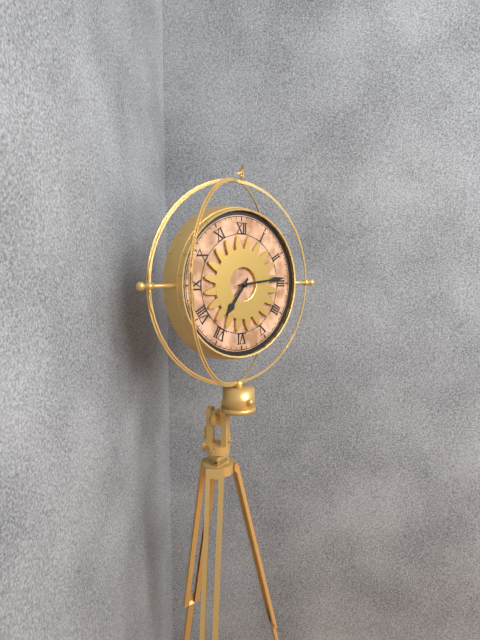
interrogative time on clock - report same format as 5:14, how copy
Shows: 7:14
